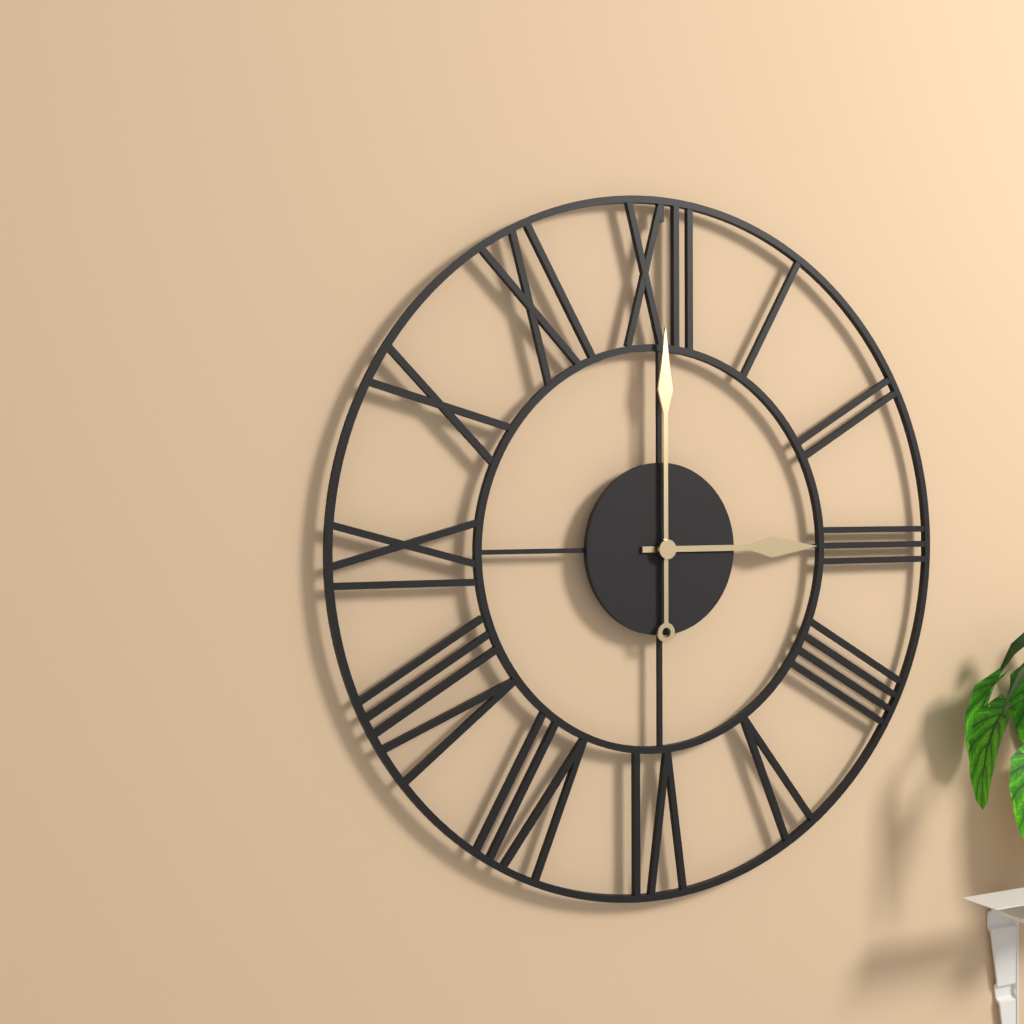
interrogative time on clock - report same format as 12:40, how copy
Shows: 3:00
